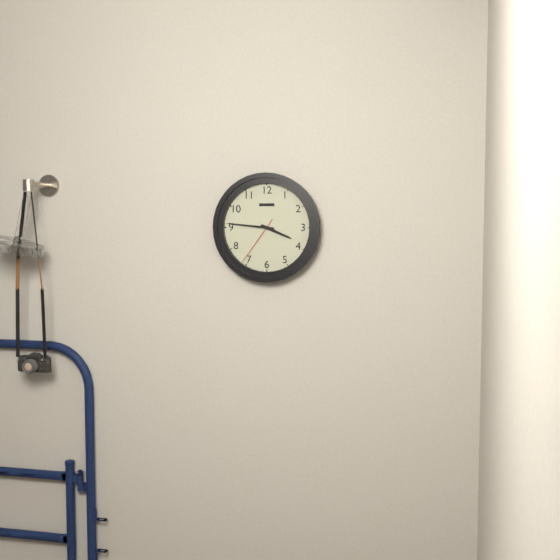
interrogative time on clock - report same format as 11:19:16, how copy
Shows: 3:46:36
